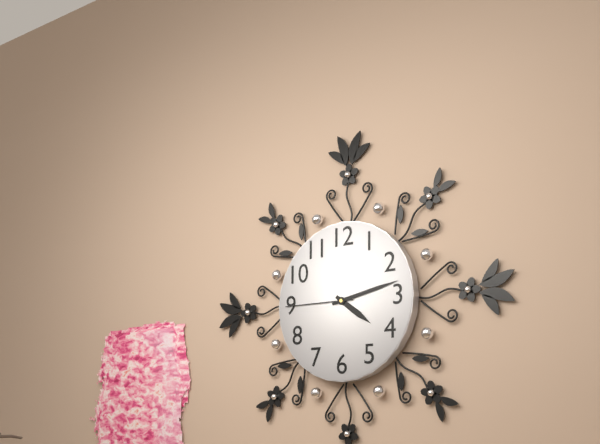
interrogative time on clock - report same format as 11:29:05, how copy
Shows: 4:13:45
